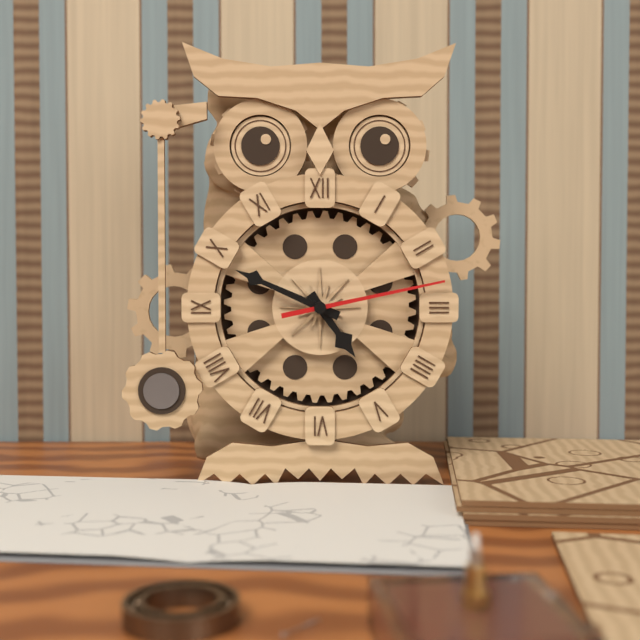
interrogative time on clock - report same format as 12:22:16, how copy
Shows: 4:49:13
